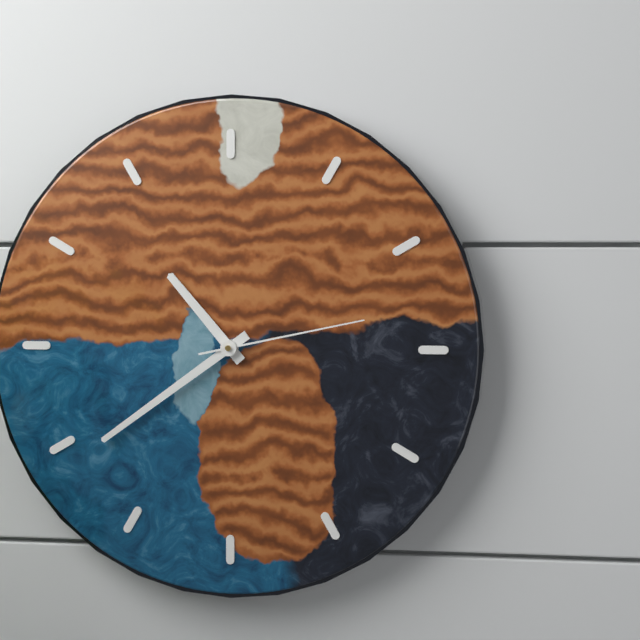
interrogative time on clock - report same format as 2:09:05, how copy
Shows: 10:39:13
